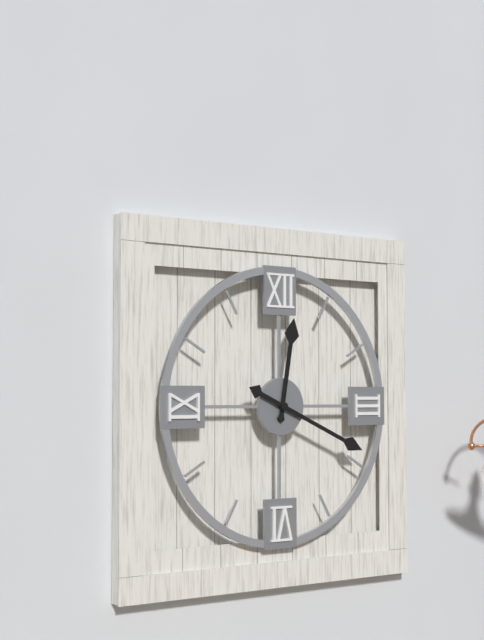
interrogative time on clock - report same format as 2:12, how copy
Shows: 12:19
